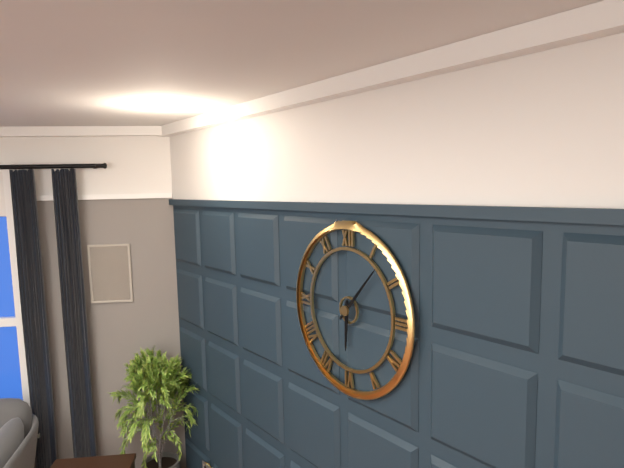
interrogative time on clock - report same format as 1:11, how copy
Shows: 6:07
